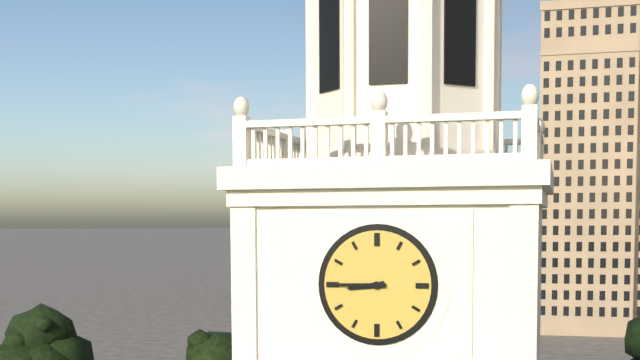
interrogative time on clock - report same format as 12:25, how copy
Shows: 8:45
